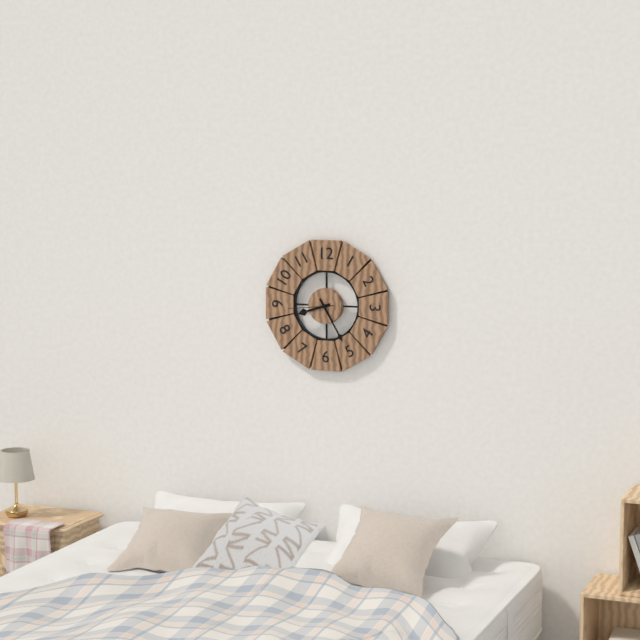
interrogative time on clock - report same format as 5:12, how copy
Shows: 8:25
